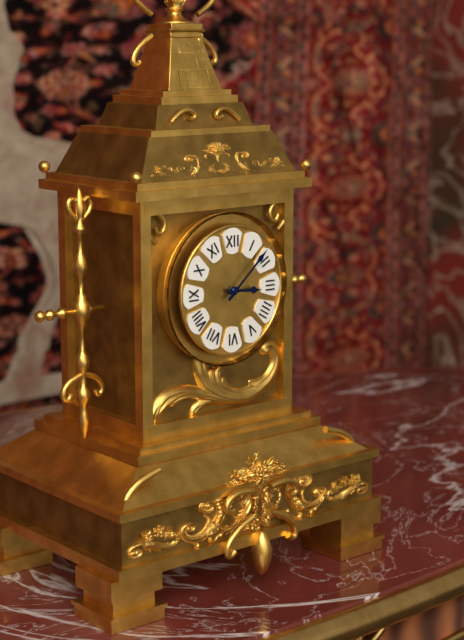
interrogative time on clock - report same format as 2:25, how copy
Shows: 3:08
